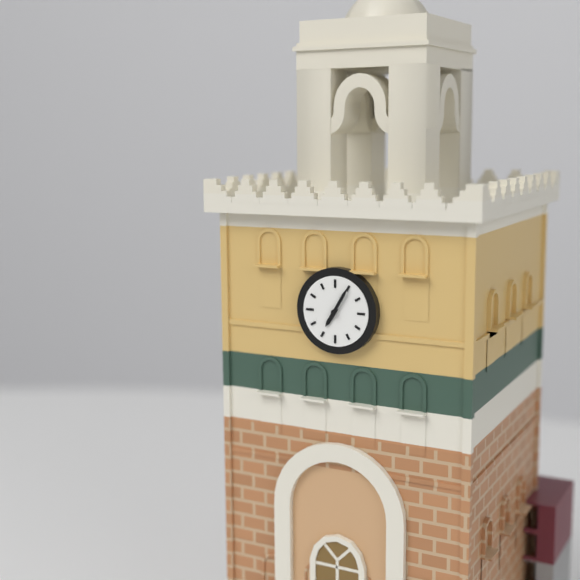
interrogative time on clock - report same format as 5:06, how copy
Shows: 7:05
